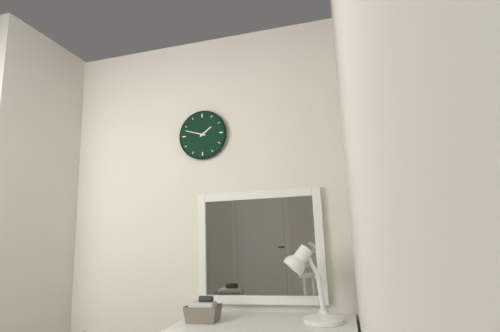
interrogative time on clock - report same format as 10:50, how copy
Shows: 1:48
